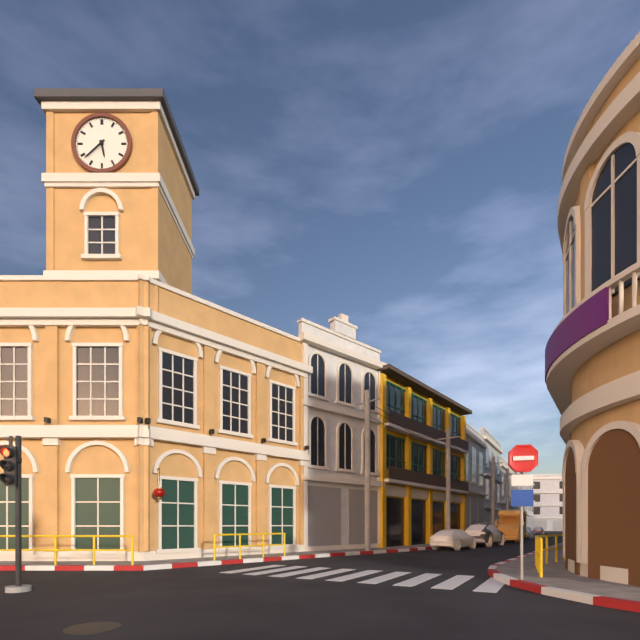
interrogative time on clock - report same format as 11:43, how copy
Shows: 5:38
